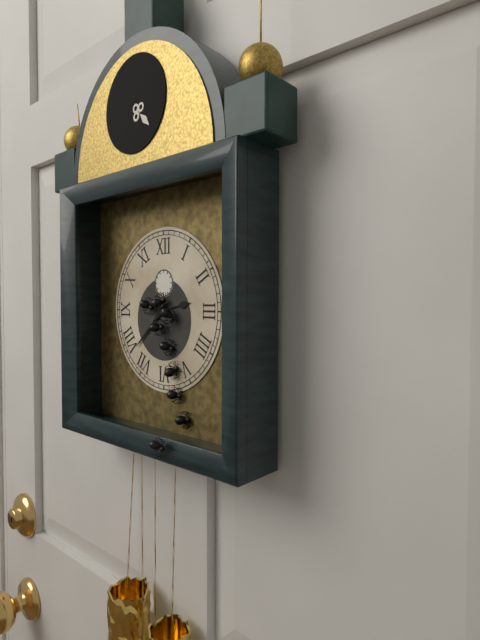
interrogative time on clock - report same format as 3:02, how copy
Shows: 2:38
